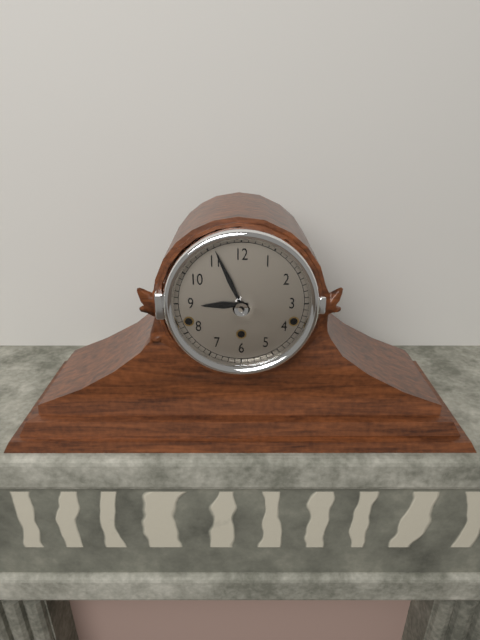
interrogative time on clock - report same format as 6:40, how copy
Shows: 8:56
